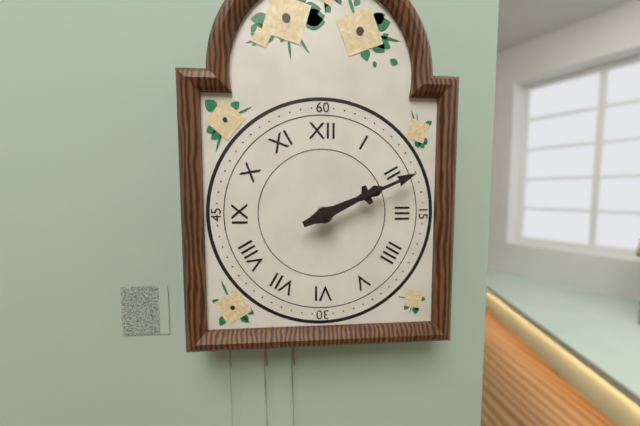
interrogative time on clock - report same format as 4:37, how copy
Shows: 2:11
